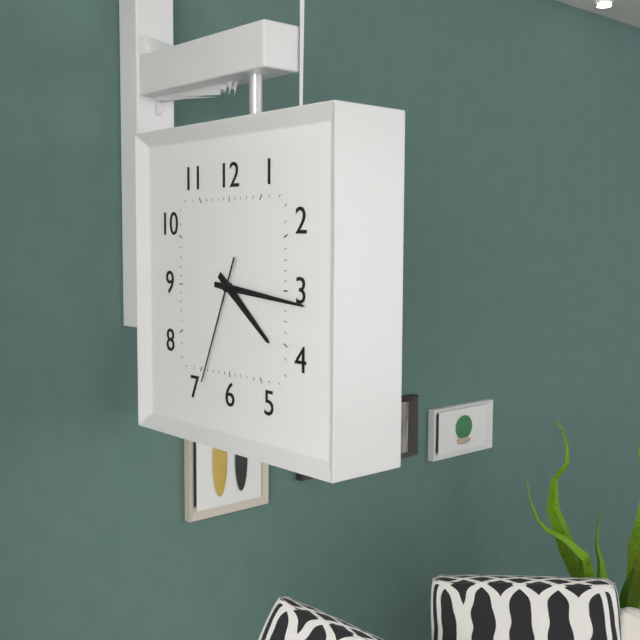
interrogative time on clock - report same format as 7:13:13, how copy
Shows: 4:16:34
